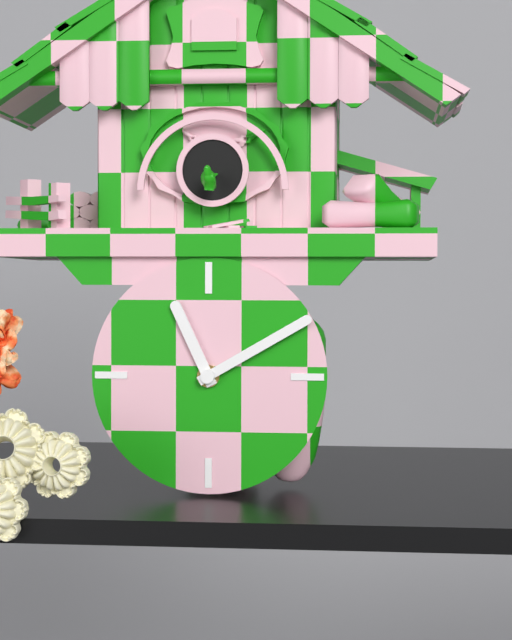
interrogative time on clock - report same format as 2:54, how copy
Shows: 11:10
